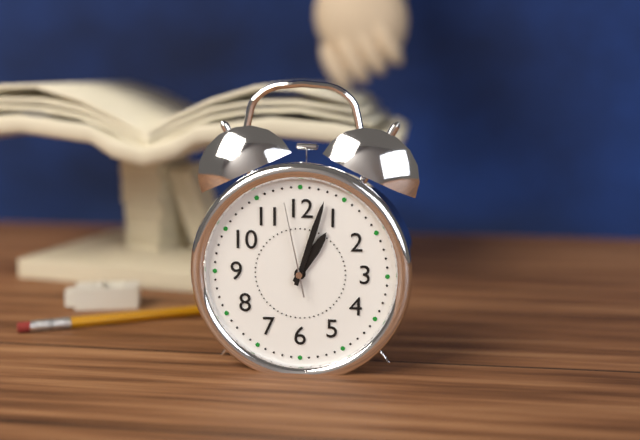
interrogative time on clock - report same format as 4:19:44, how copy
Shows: 1:03:58
